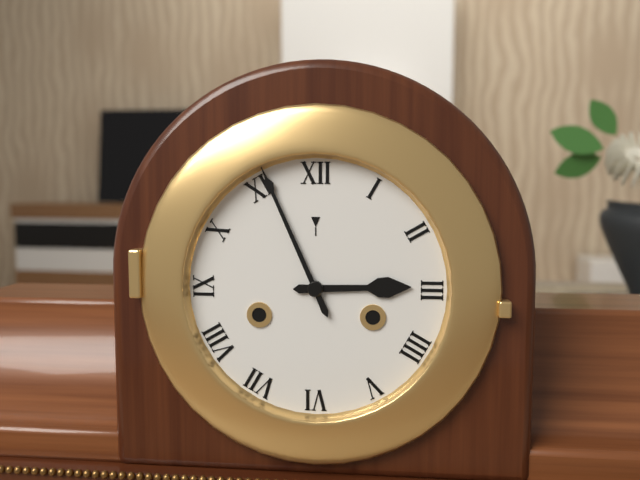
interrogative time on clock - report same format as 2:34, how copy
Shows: 2:56
